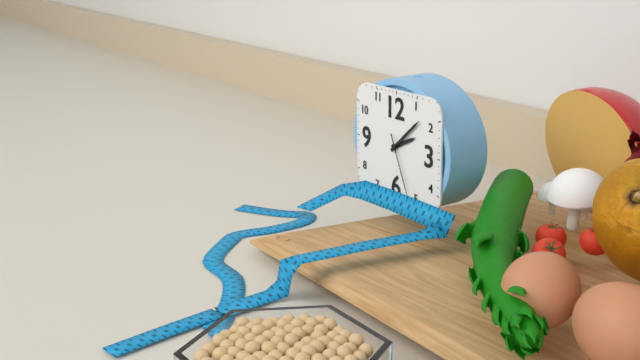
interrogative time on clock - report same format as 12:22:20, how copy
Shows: 2:08:26
